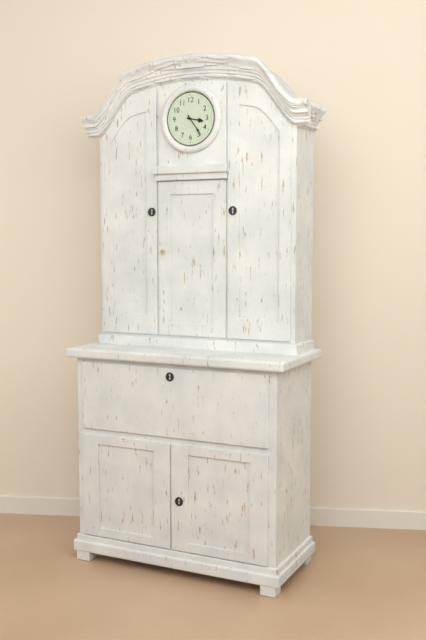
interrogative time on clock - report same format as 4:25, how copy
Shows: 3:24
